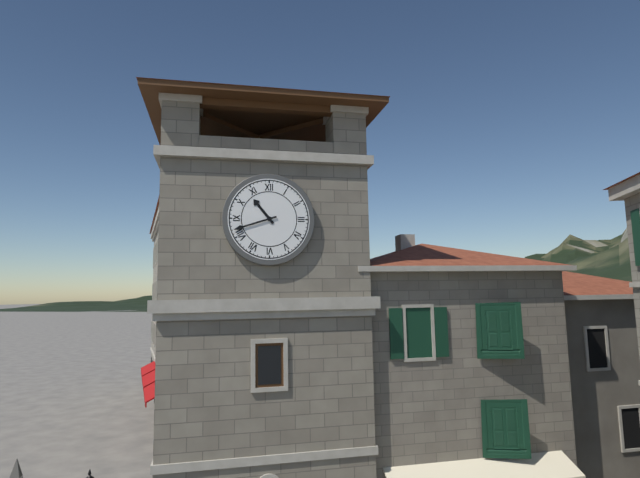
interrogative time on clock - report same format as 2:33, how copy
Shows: 10:42
